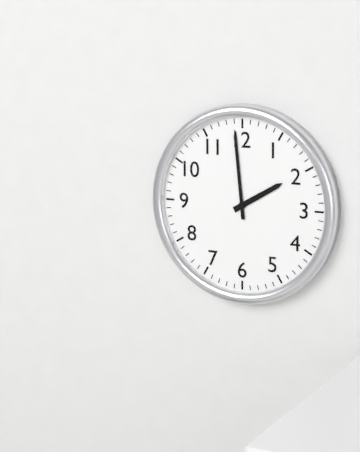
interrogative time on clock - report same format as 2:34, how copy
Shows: 1:59
